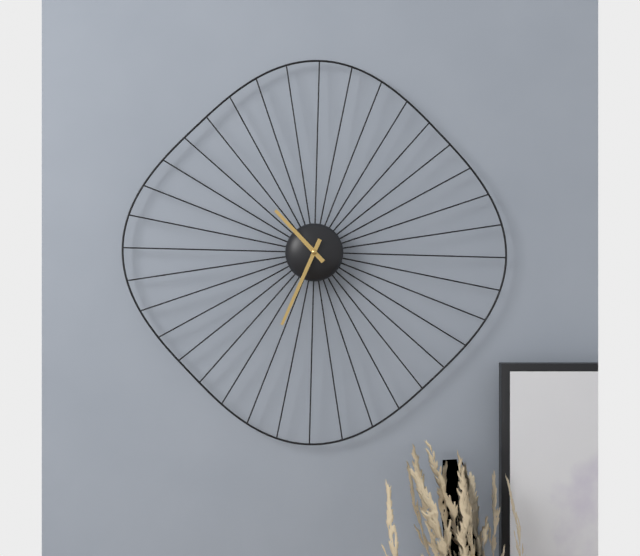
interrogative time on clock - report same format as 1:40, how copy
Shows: 10:34
